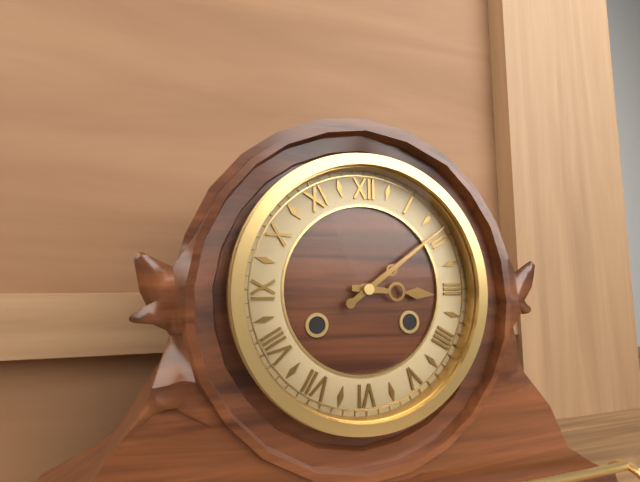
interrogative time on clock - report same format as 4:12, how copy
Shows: 3:09
